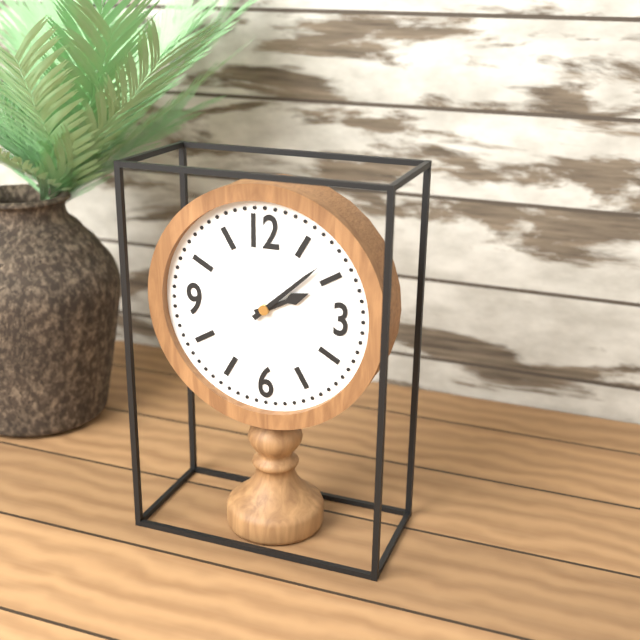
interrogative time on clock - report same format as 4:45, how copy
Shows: 2:08
